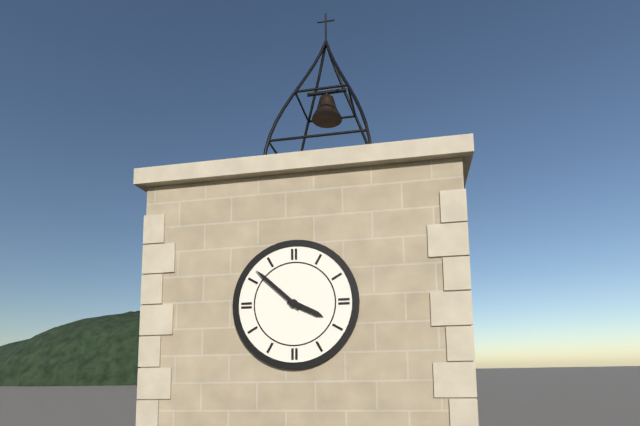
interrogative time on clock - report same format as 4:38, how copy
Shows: 3:52
